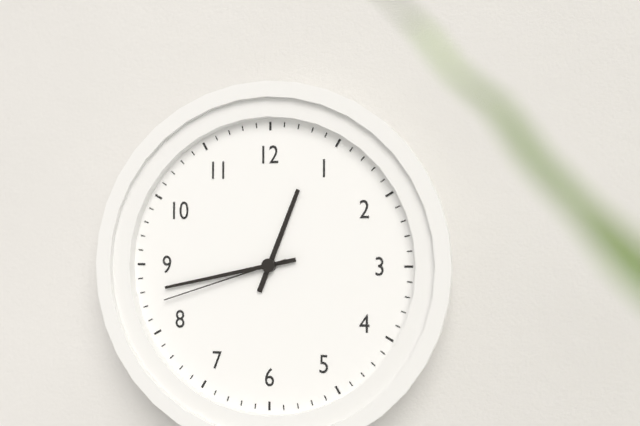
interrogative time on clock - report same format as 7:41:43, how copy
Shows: 12:43:42
